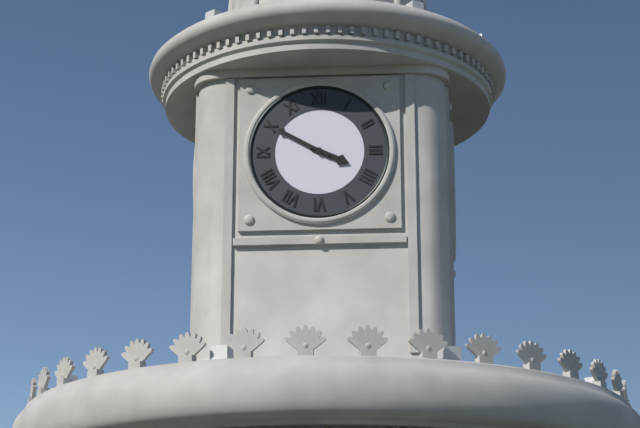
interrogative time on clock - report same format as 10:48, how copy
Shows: 3:50
